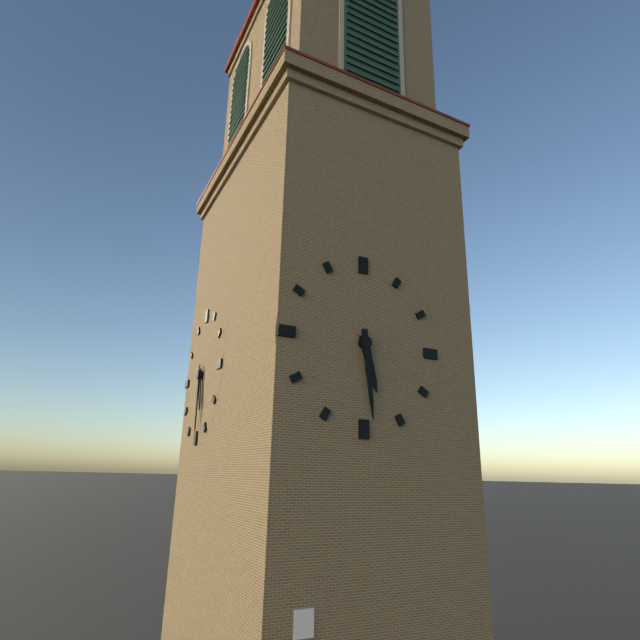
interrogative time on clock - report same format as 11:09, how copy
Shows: 5:29
